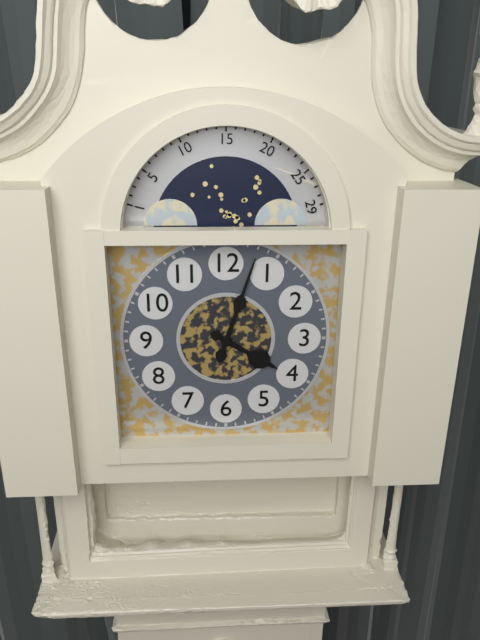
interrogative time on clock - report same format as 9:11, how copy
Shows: 4:03
